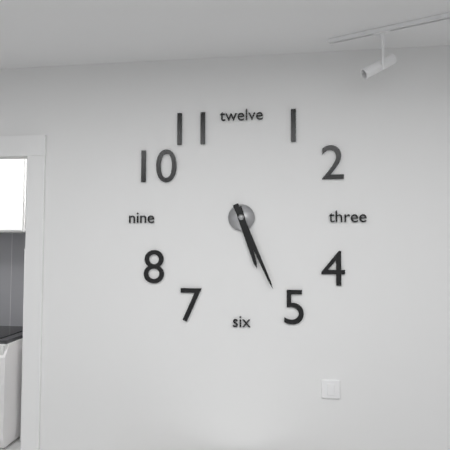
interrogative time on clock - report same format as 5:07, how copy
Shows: 5:26
